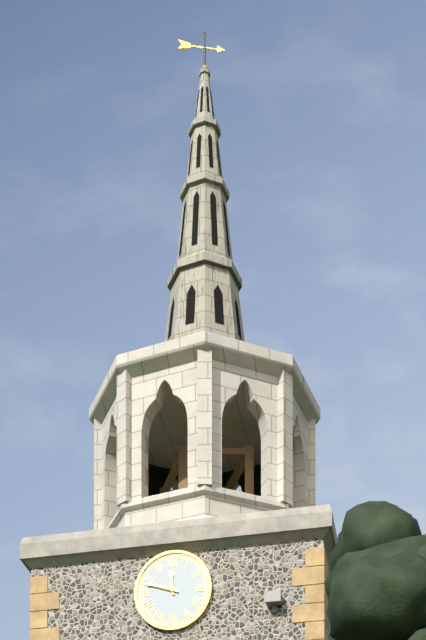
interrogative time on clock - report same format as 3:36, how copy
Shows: 11:48
